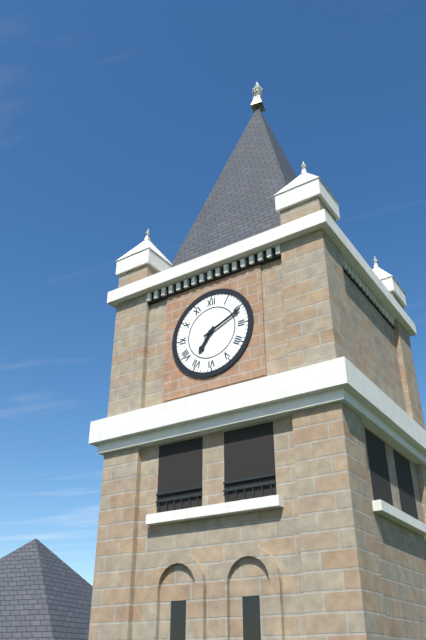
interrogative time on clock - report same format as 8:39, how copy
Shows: 7:11
